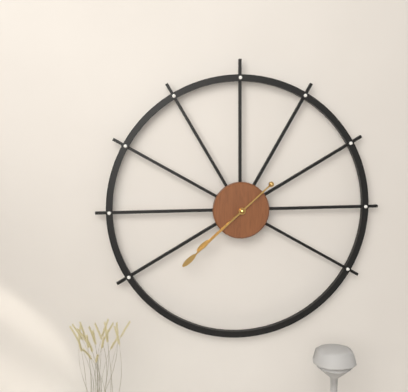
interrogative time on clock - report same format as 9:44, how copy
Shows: 7:38
